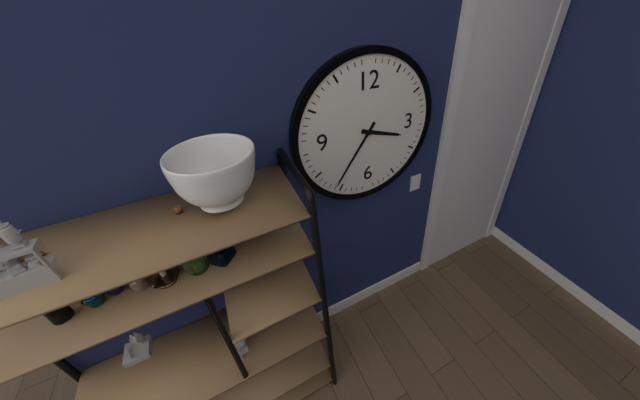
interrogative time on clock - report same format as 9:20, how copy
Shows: 3:36
